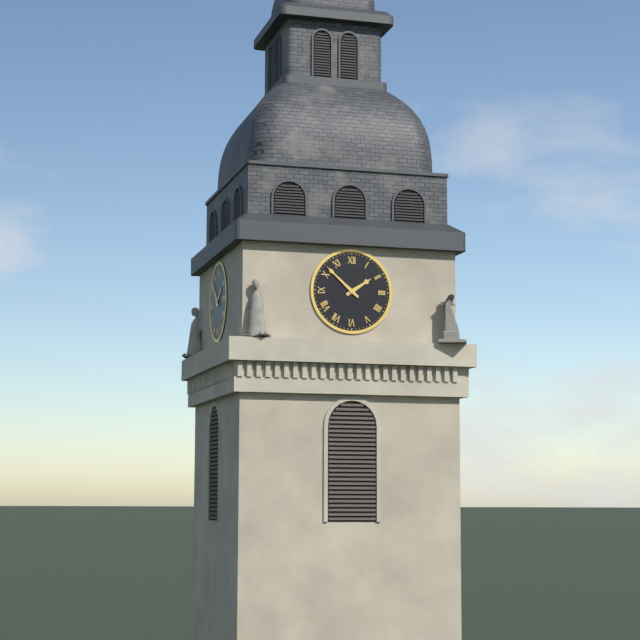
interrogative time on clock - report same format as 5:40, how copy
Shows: 1:52
